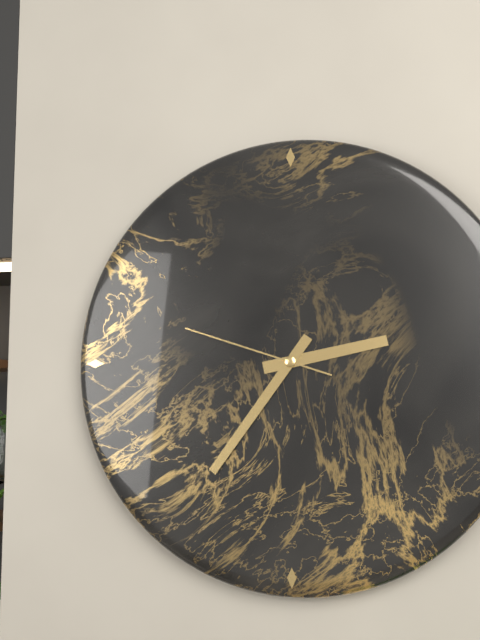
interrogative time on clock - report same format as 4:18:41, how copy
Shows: 2:36:48
